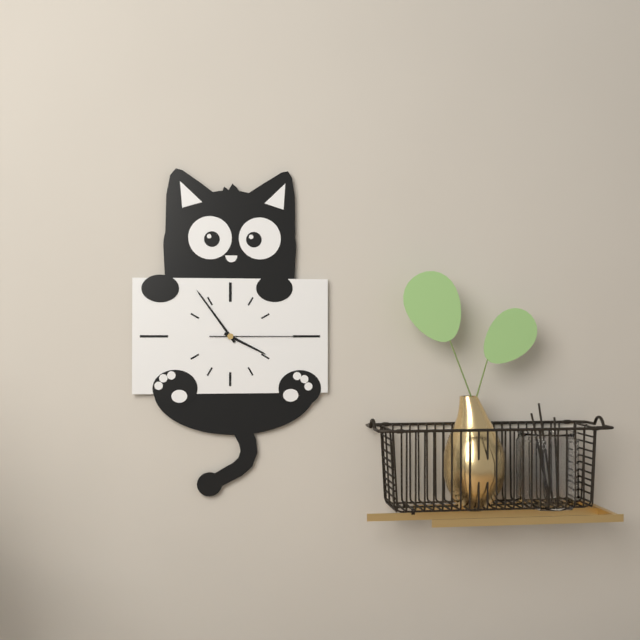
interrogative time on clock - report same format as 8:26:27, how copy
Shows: 3:54:15
